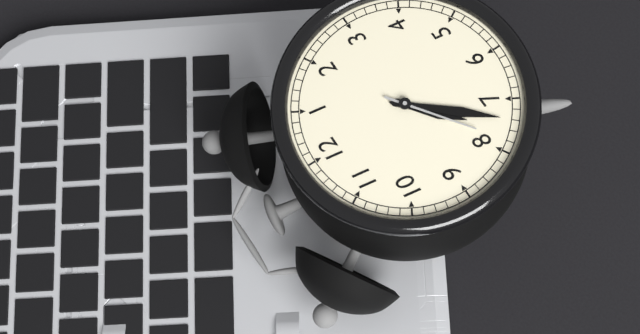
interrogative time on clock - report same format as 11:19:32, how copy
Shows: 7:37:39
